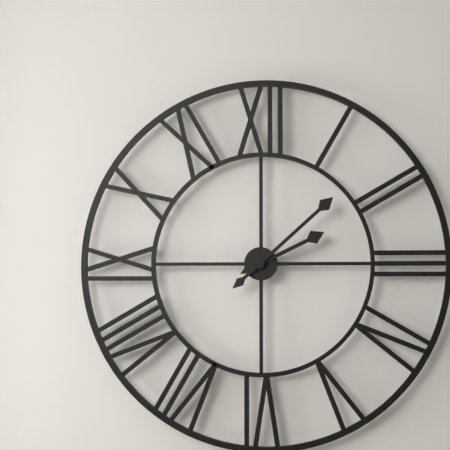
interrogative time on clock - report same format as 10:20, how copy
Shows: 2:08
